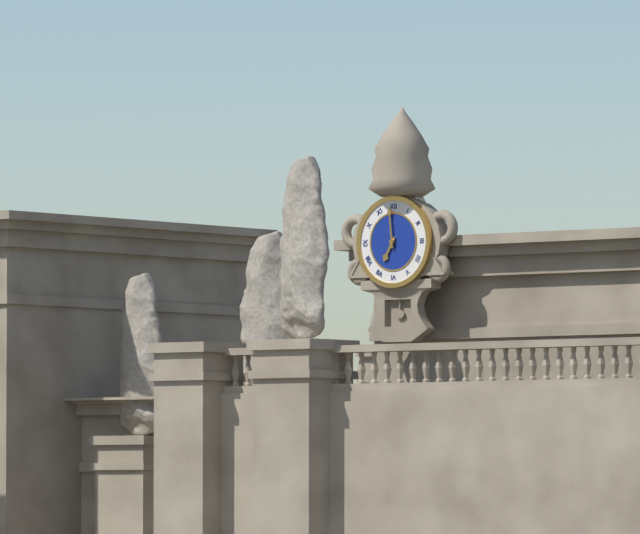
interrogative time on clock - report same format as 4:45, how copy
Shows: 6:59
